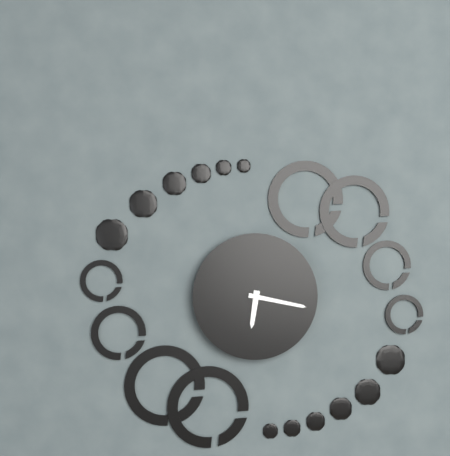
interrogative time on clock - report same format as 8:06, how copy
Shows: 6:17
